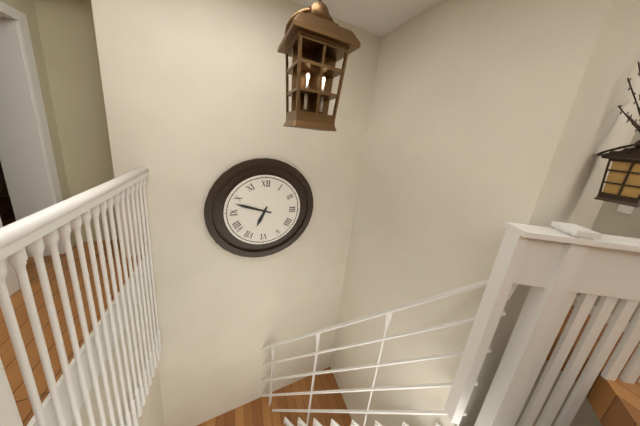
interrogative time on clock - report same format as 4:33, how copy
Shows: 6:48
